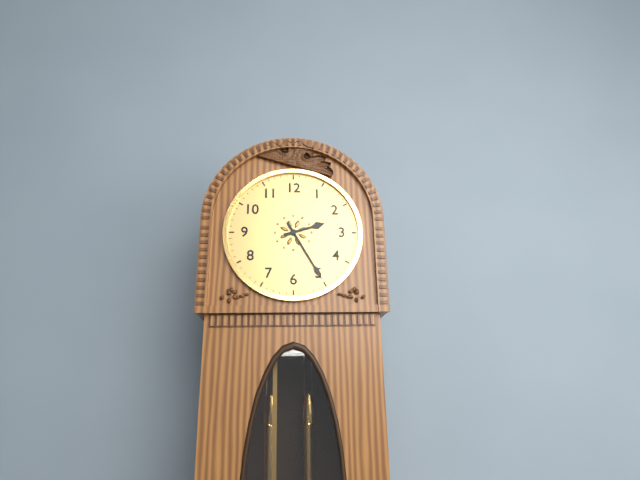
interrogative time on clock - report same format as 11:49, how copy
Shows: 2:25
